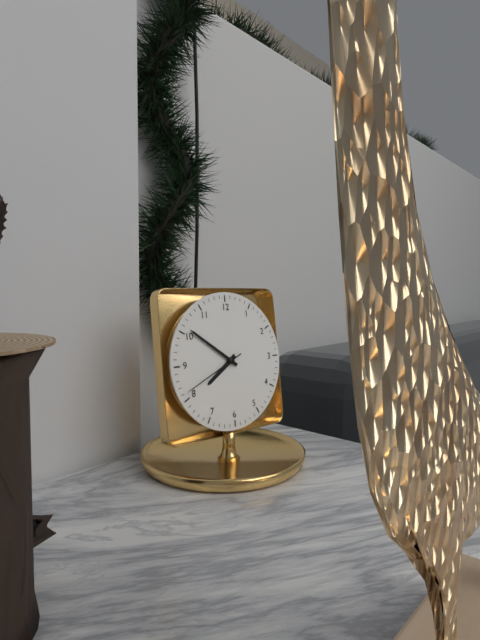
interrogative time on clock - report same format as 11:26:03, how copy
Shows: 7:51:41
